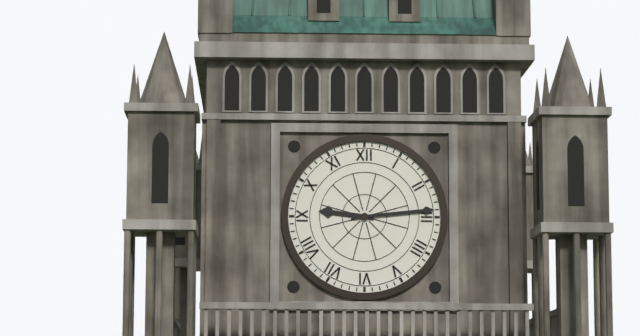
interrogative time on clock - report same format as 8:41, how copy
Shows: 9:14
